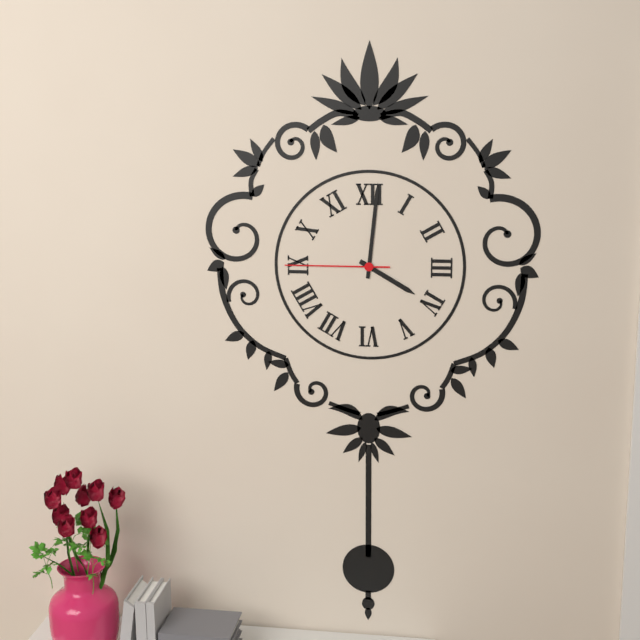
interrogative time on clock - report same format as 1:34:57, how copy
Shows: 4:01:45
